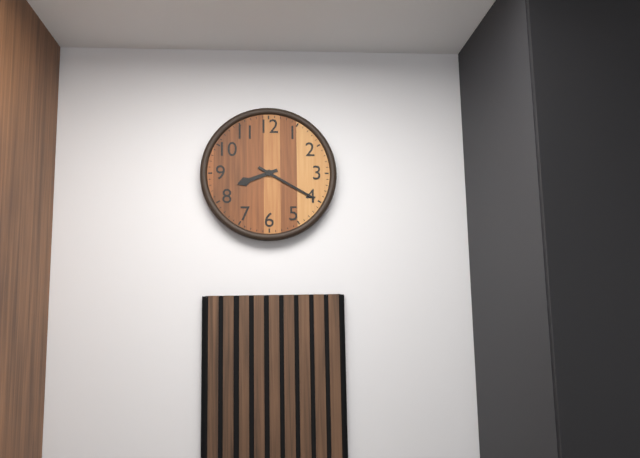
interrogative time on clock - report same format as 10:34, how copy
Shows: 8:20
